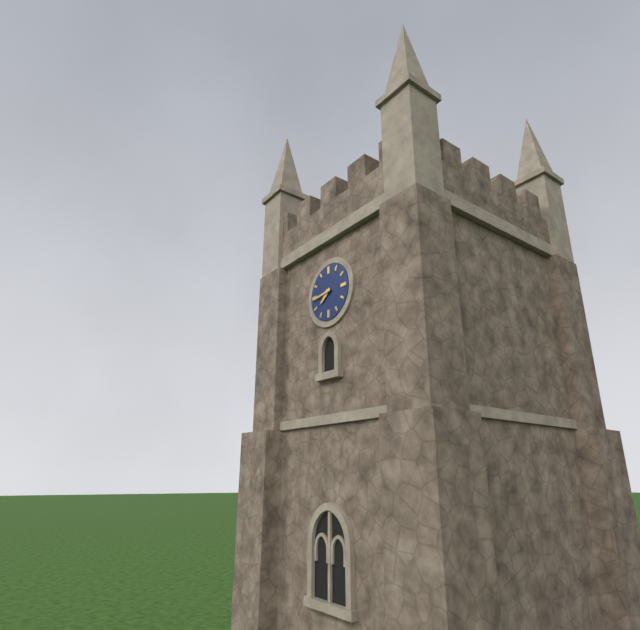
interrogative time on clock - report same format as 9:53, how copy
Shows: 7:44
